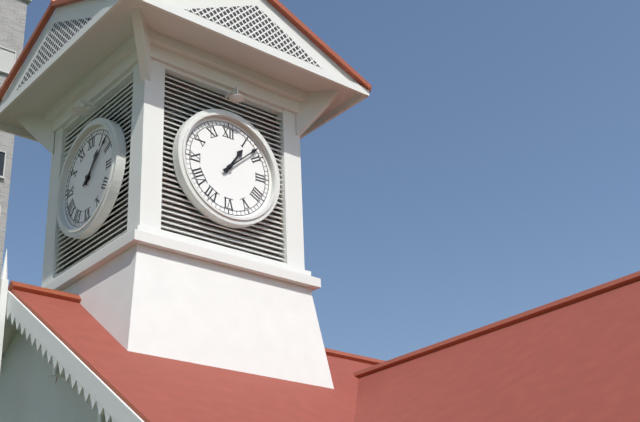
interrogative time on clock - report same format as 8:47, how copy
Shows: 1:08
